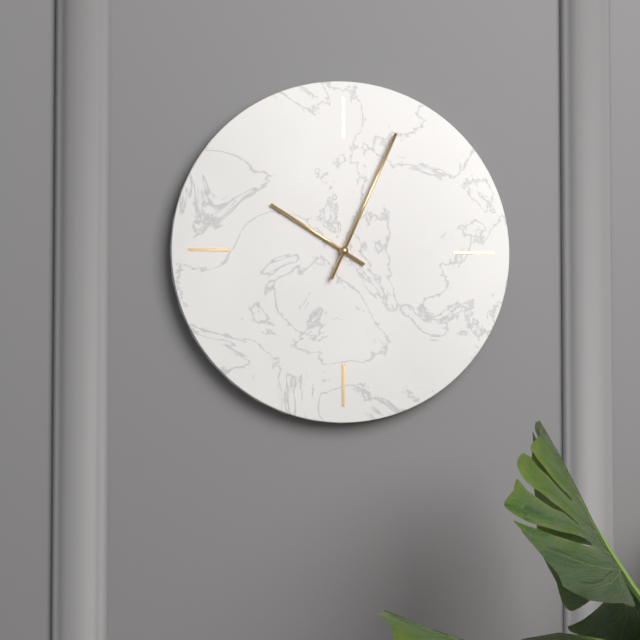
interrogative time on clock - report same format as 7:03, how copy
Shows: 10:04
